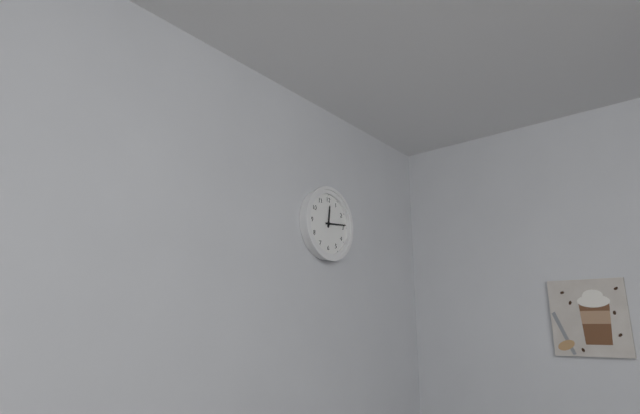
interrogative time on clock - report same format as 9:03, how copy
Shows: 12:14
